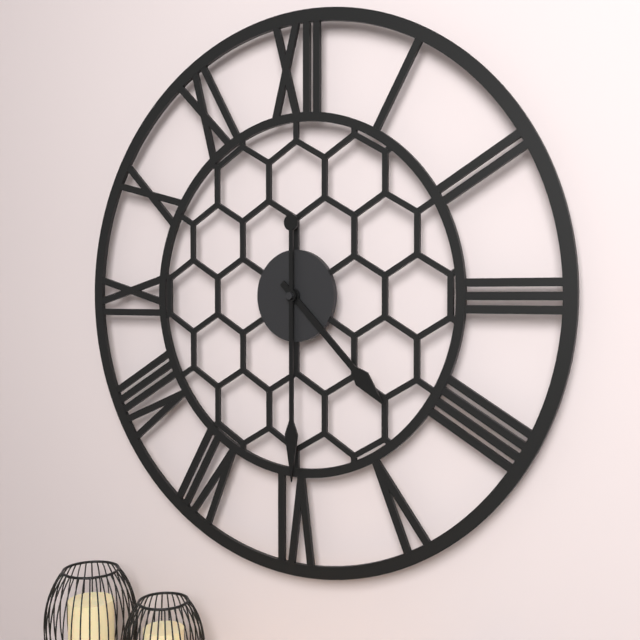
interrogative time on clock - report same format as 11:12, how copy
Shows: 4:30
